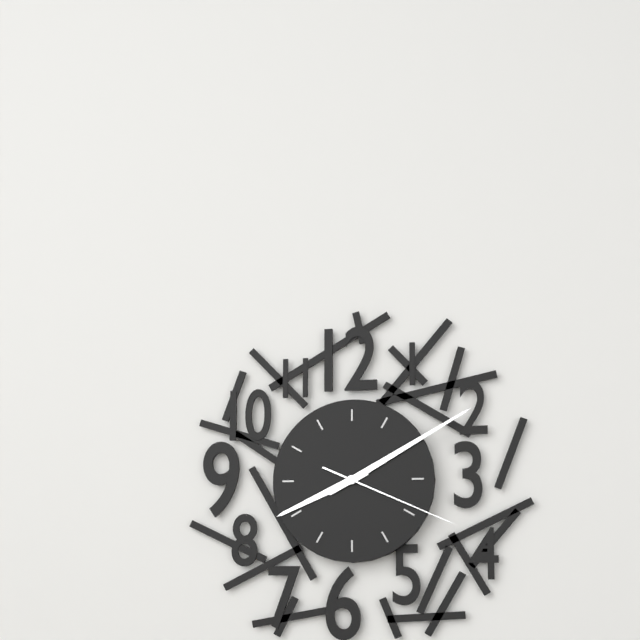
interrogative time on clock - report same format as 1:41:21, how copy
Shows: 8:10:19
